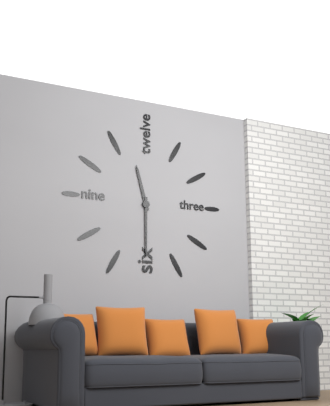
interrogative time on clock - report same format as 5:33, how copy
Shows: 11:30
